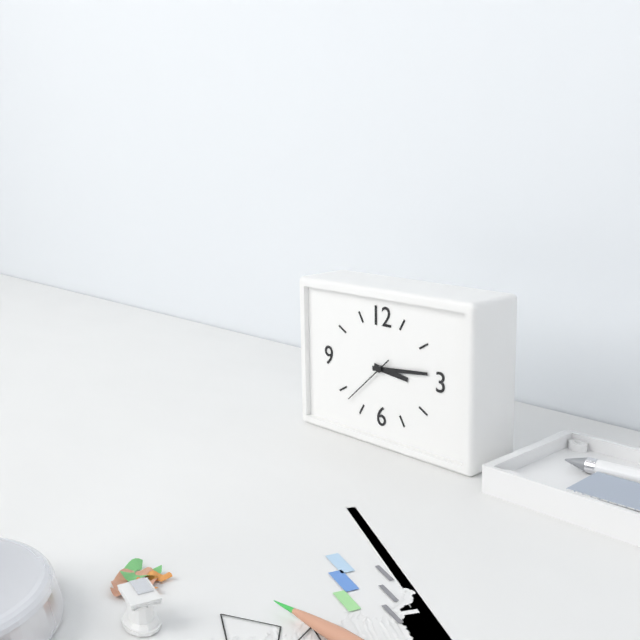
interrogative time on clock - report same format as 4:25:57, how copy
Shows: 3:14:38
